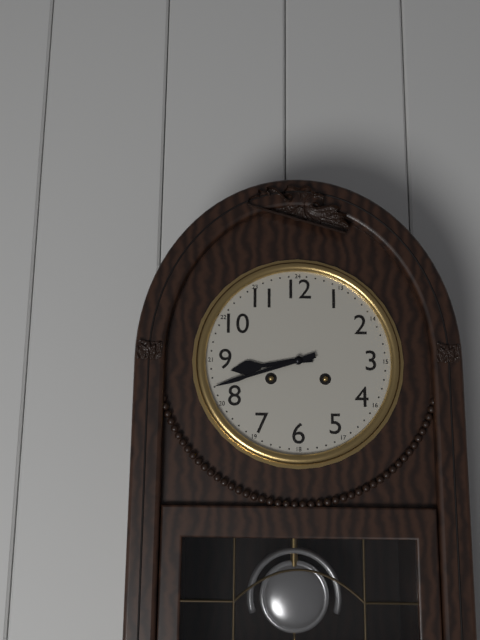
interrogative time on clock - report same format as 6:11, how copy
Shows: 8:42
